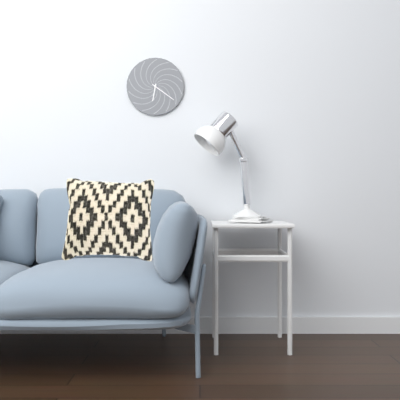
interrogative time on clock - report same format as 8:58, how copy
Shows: 6:21
